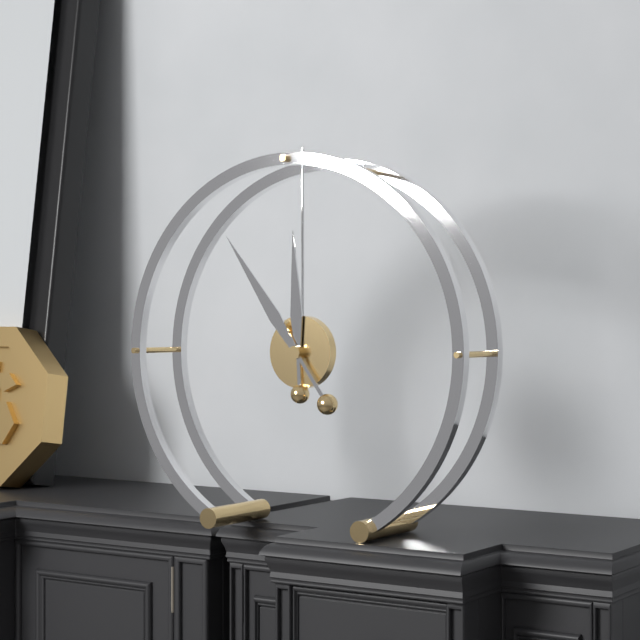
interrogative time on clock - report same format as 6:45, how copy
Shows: 11:54
